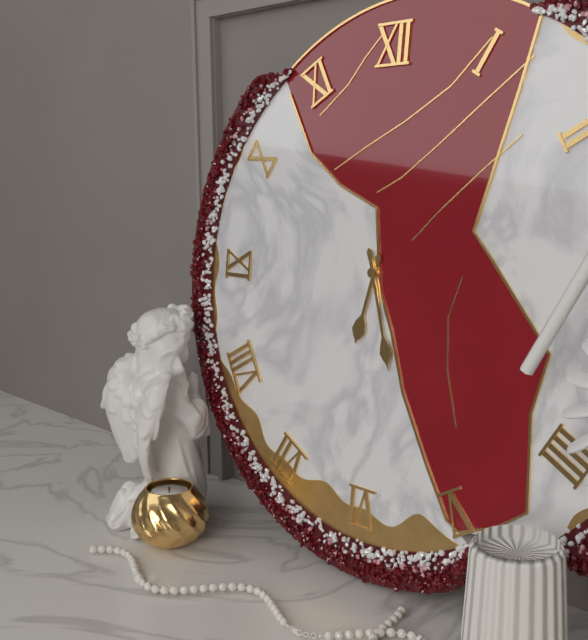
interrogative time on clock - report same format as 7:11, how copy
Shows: 6:27
